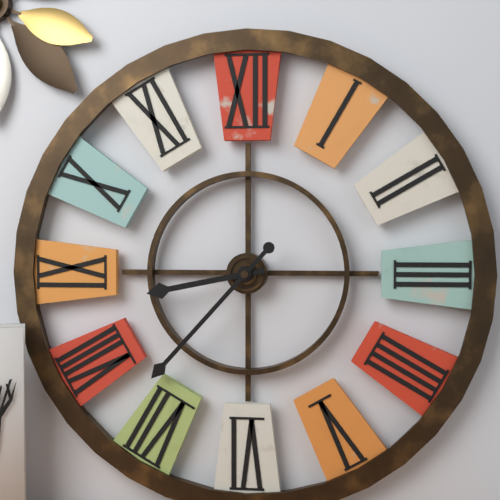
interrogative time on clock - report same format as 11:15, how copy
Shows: 8:37
